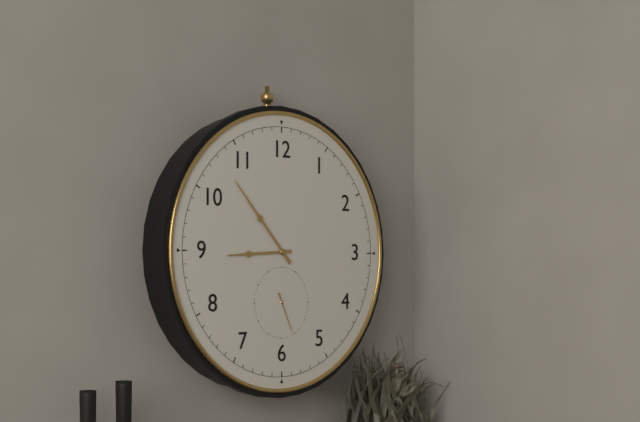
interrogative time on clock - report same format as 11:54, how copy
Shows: 8:53
